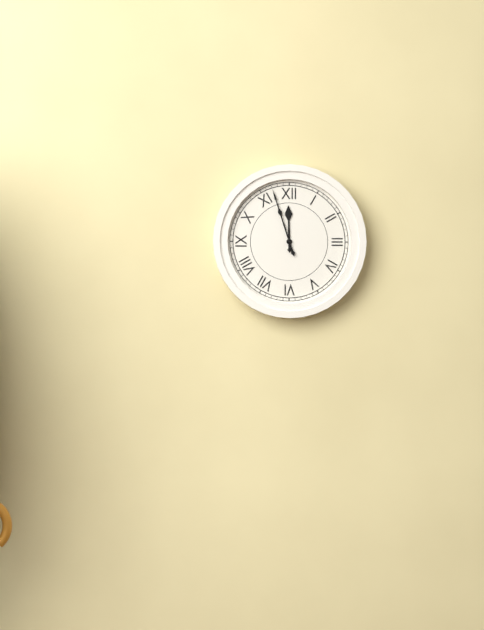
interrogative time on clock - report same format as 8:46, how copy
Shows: 11:57
